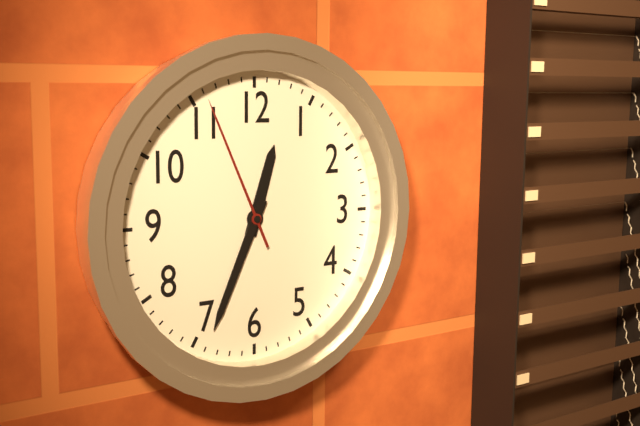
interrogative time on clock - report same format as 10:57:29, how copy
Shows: 12:34:56
